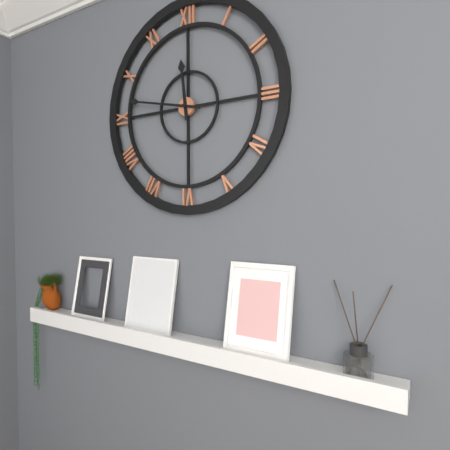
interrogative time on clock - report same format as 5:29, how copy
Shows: 11:47
